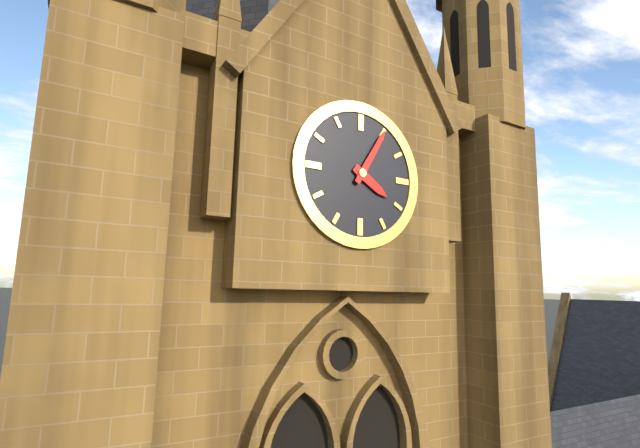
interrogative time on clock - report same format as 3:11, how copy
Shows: 4:05
